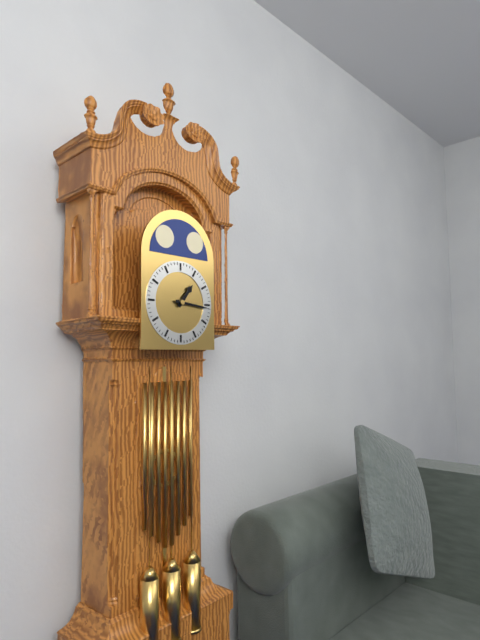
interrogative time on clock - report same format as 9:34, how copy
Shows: 1:16
